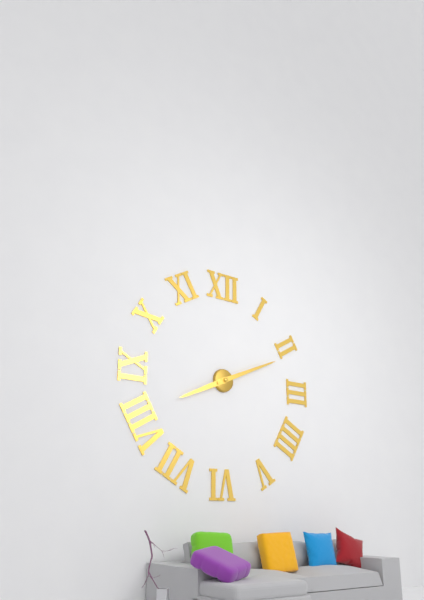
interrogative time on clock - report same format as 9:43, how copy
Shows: 8:11
